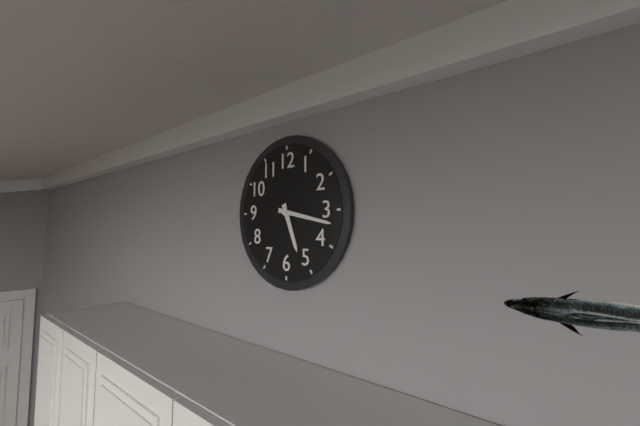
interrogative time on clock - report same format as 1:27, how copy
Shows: 5:17
